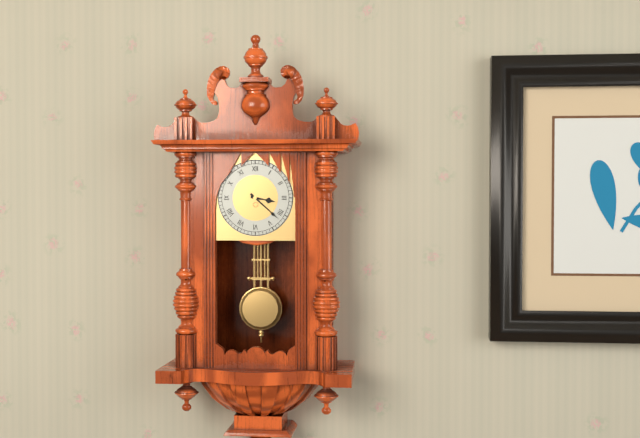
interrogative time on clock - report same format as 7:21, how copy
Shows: 3:22
